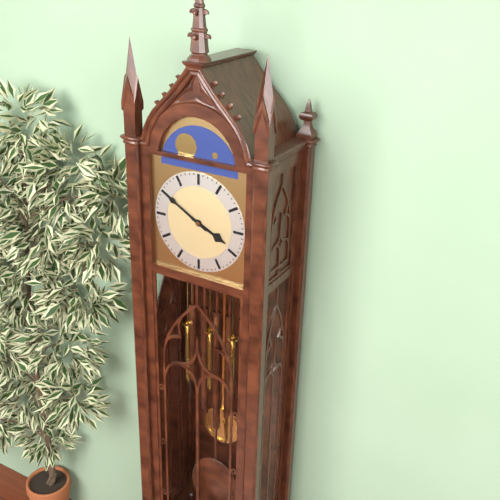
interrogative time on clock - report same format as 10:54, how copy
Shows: 3:50
